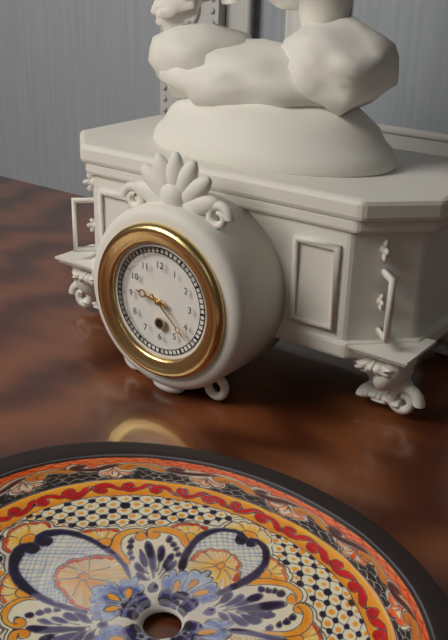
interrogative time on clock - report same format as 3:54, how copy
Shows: 9:22
